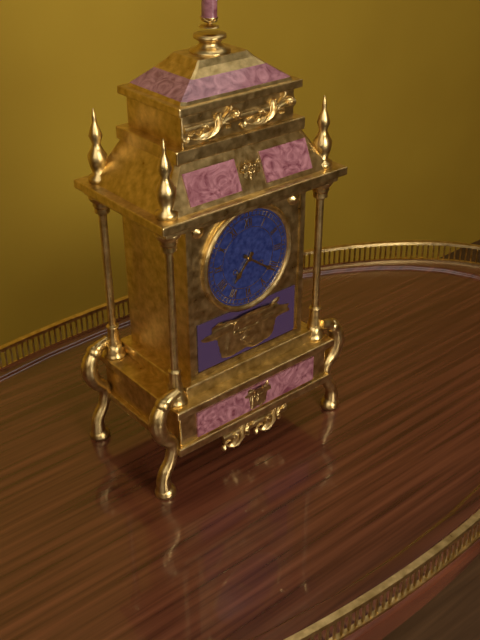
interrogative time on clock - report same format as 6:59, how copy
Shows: 7:21
